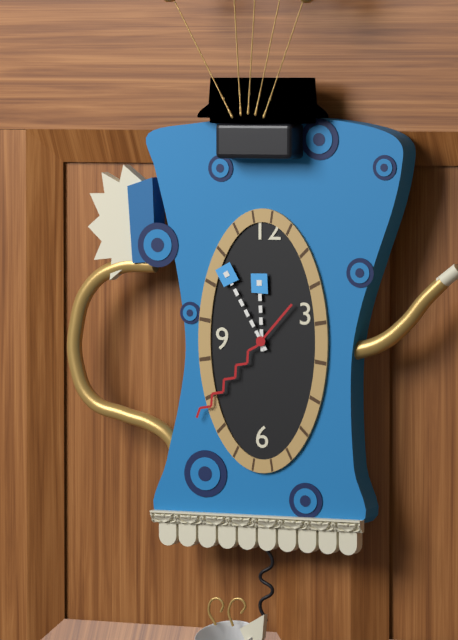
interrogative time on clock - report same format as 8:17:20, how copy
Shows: 11:55:37
